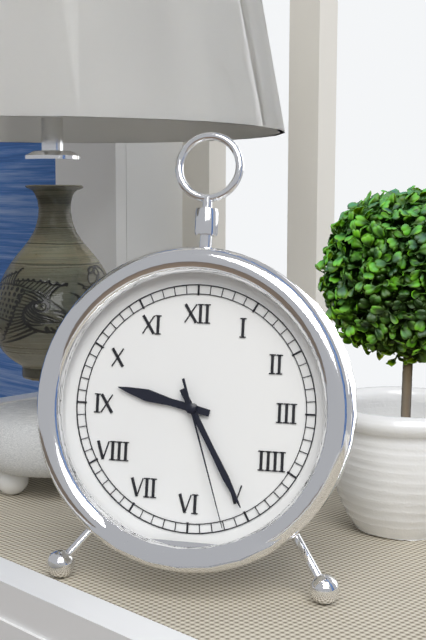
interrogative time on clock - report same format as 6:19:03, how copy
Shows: 9:25:27
